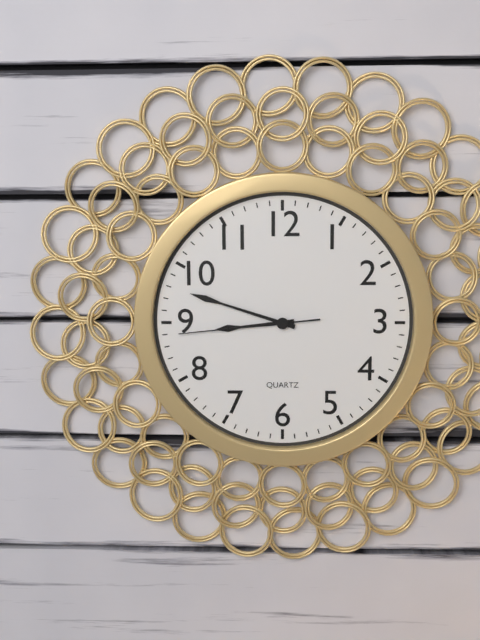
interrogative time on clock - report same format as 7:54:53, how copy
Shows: 8:48:44
